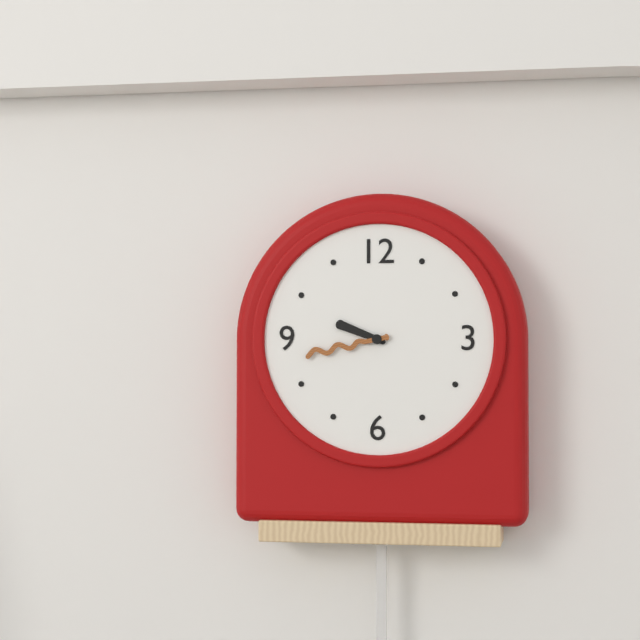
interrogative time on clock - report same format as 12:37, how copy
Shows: 9:43
